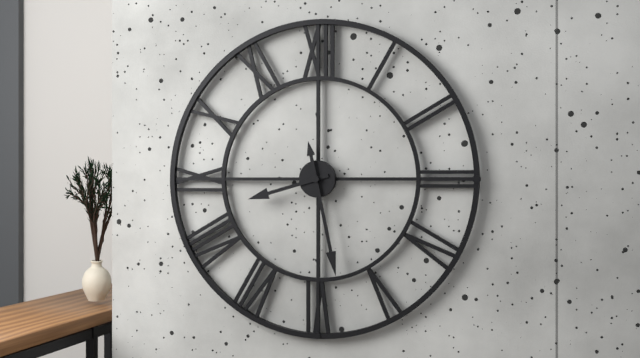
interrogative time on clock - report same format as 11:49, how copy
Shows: 8:28
